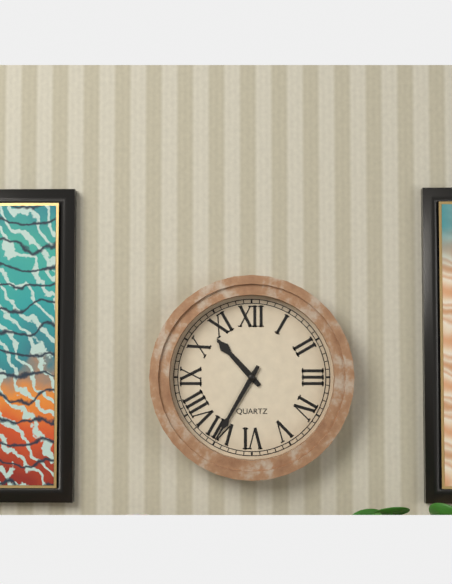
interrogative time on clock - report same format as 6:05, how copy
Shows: 10:35
